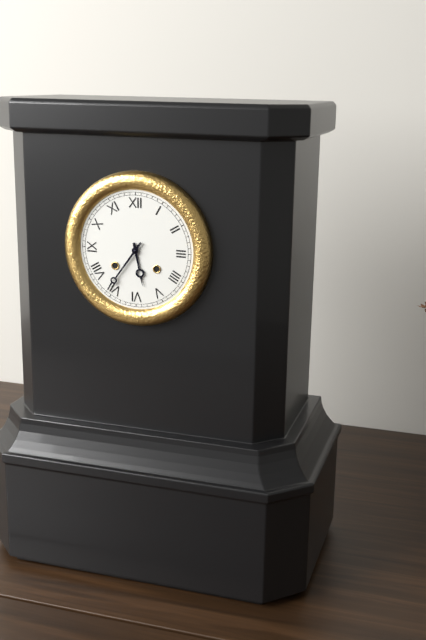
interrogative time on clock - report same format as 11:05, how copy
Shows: 5:36
